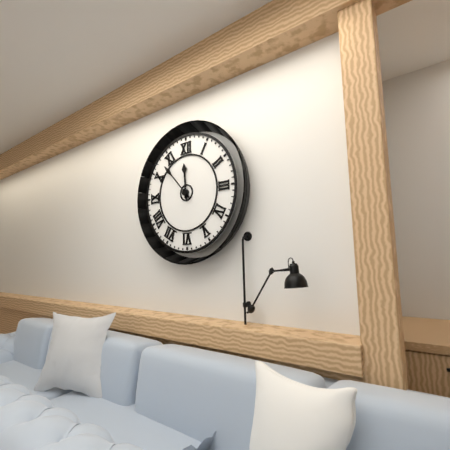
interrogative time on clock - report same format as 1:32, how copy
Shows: 11:53
